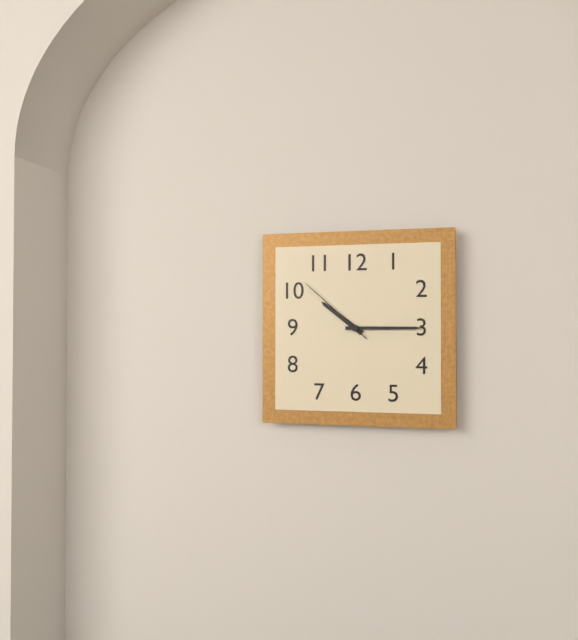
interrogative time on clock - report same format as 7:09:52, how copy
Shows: 10:15:52
